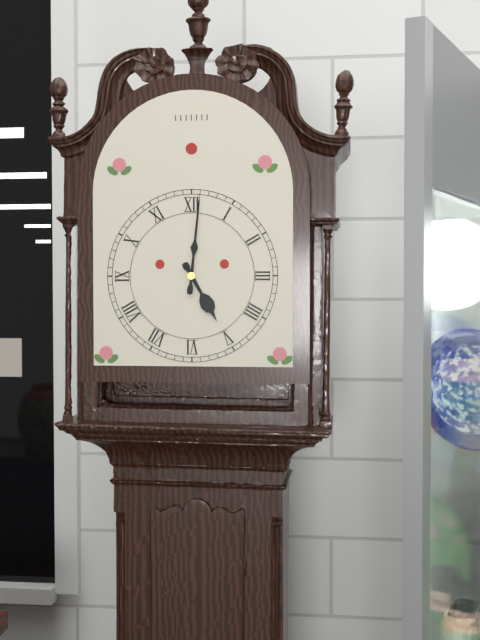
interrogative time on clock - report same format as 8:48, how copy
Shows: 5:01
